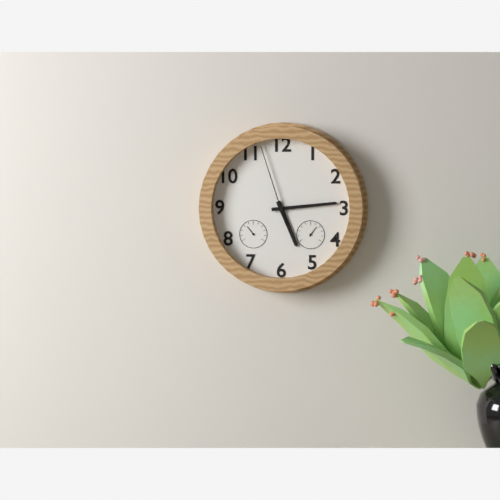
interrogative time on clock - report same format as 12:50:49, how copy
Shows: 5:14:57
